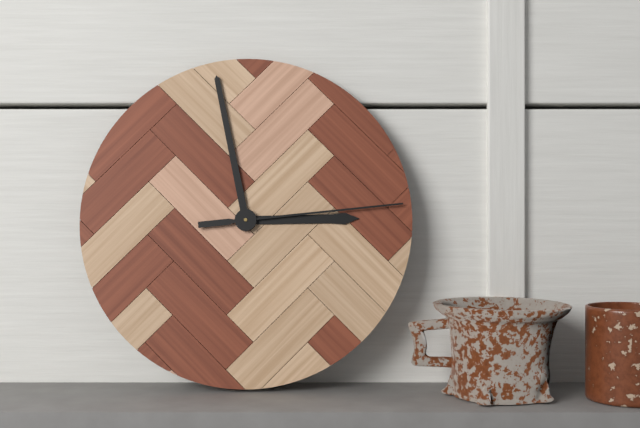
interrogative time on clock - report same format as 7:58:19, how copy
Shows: 2:58:14
